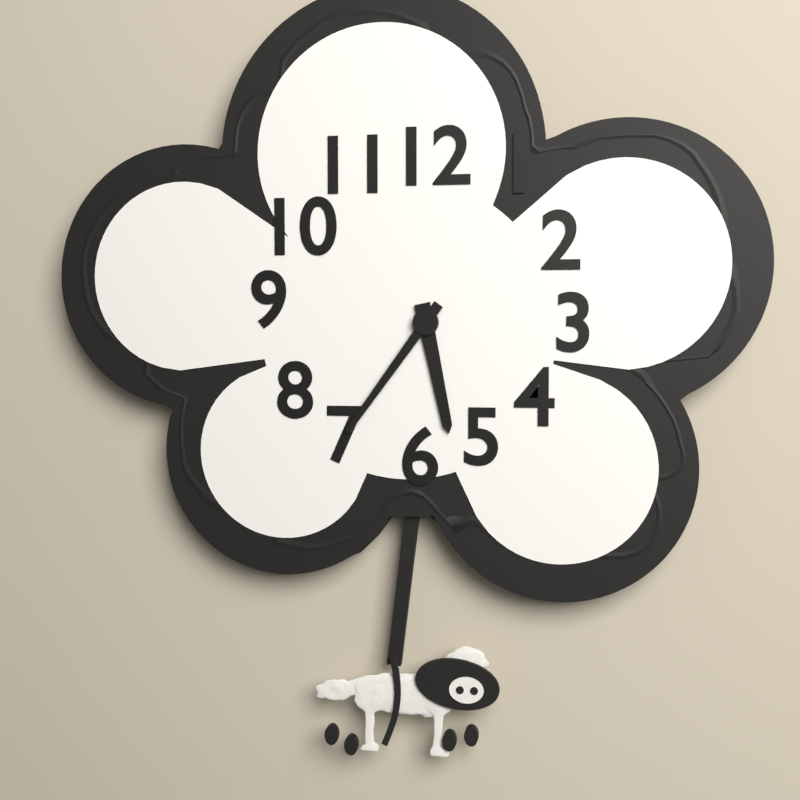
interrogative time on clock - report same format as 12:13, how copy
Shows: 5:36
